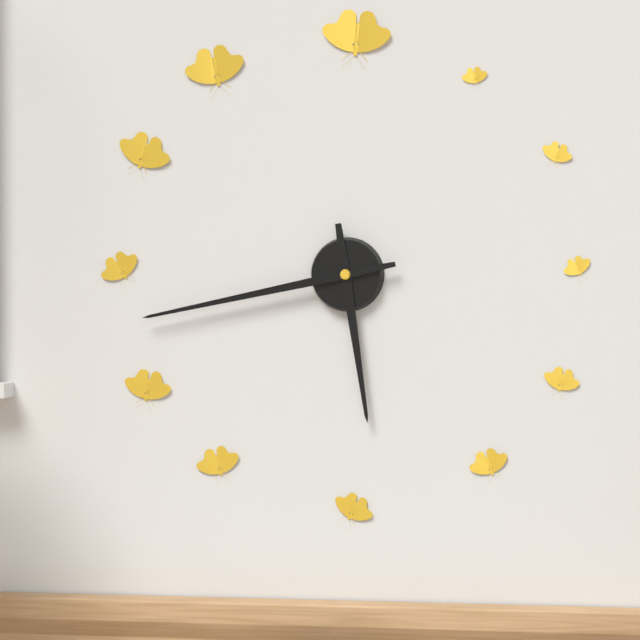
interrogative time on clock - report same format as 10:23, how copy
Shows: 5:43
